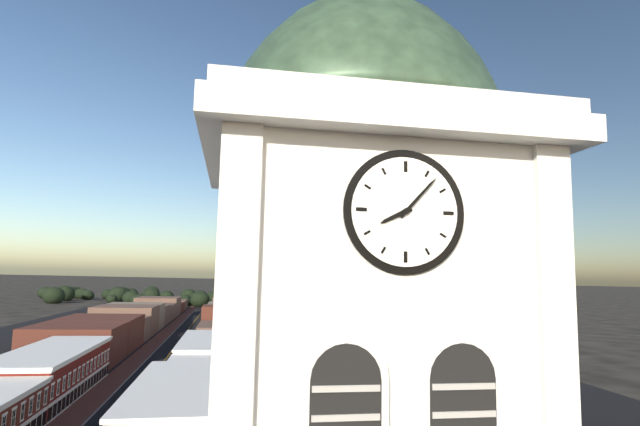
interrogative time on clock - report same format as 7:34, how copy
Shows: 8:07
